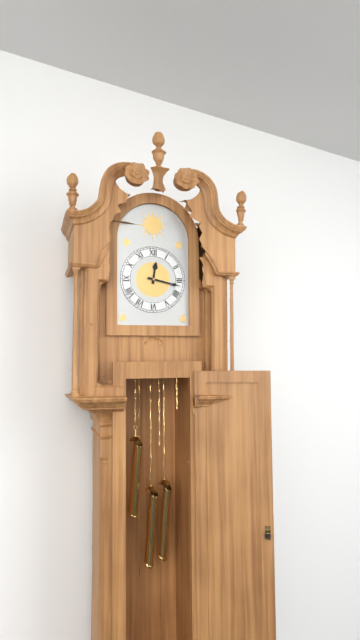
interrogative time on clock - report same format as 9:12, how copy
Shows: 12:17
